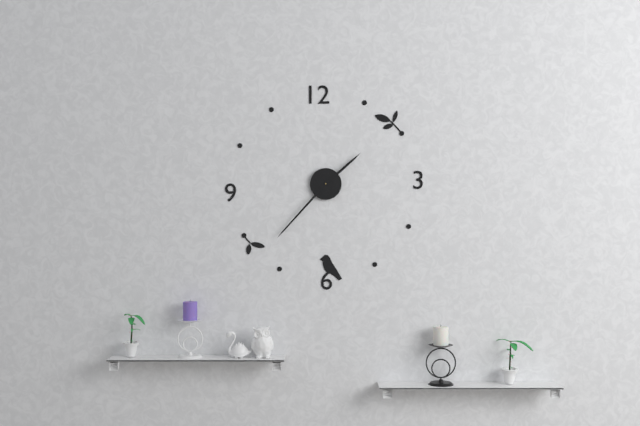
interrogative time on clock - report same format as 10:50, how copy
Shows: 1:37
